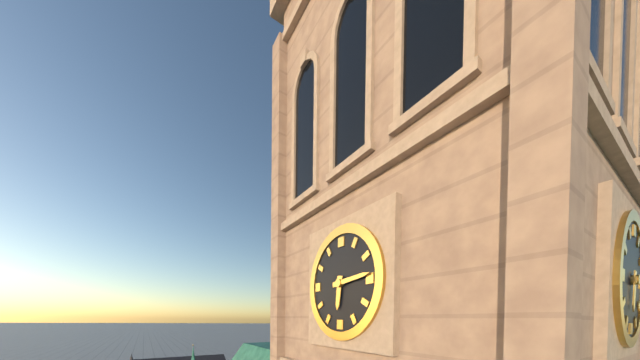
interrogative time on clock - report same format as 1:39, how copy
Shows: 6:14
